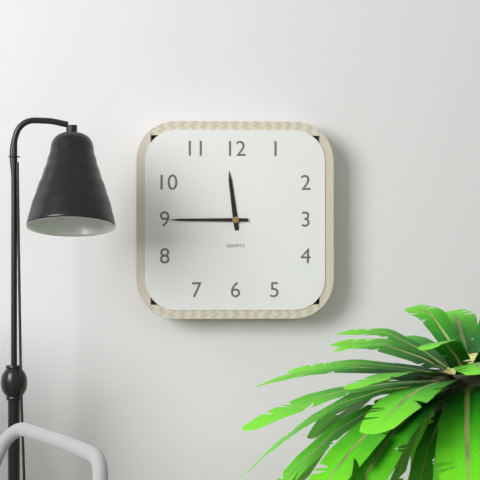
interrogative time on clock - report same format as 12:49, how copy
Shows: 11:45
